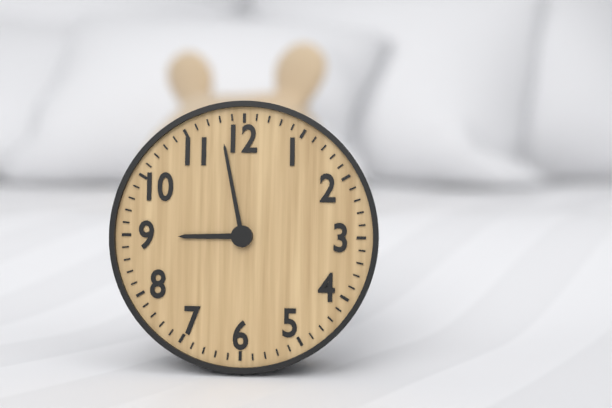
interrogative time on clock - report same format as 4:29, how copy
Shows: 8:58
